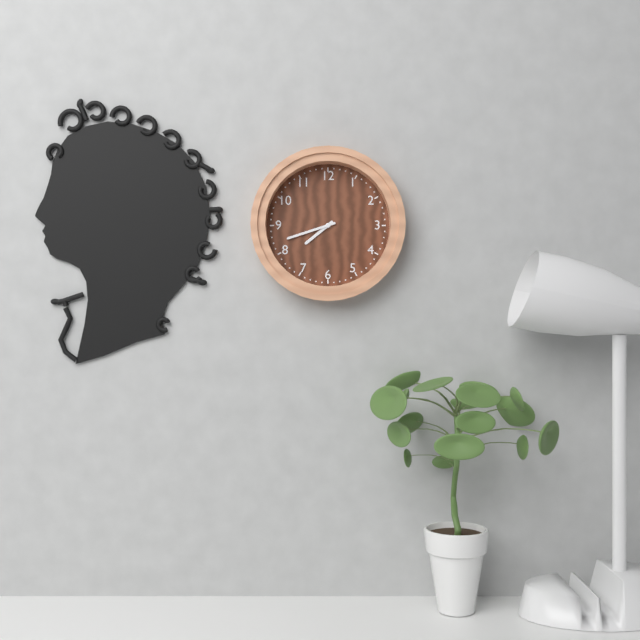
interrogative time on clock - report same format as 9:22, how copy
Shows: 7:42
